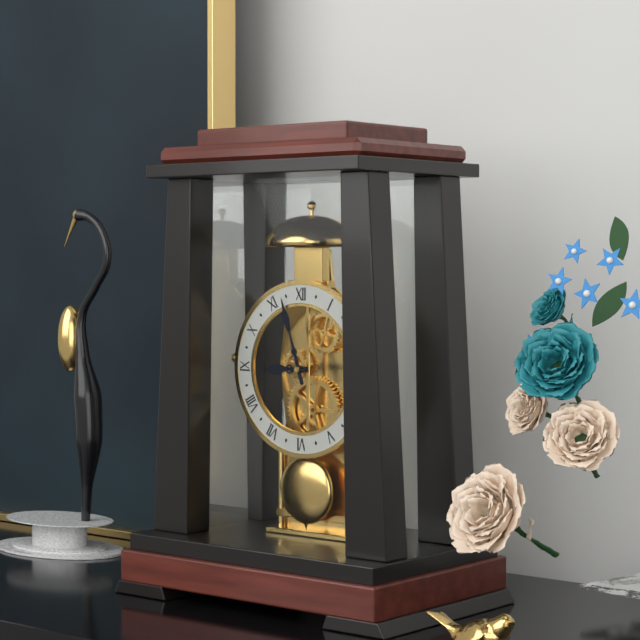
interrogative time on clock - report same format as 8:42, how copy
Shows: 8:57
